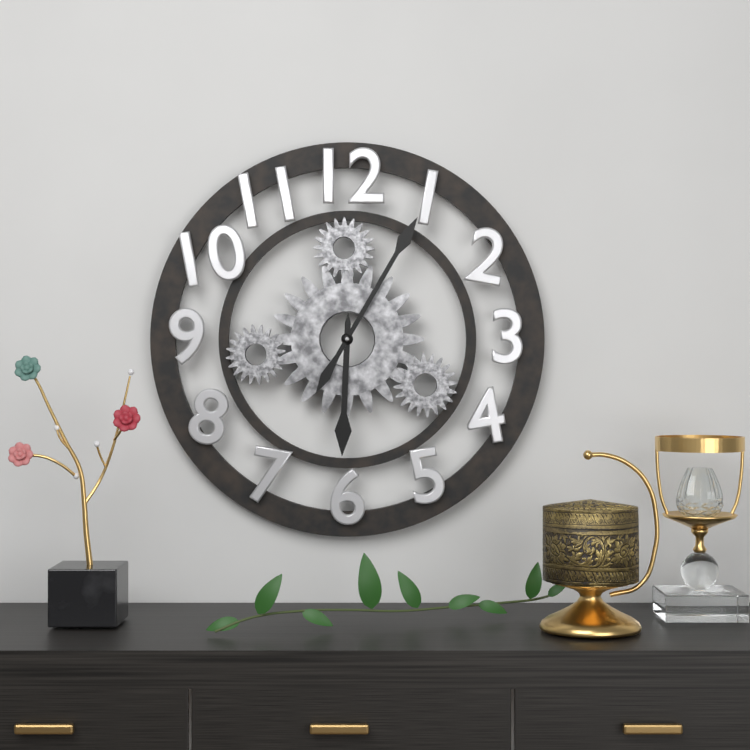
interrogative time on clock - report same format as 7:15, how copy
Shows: 6:05
